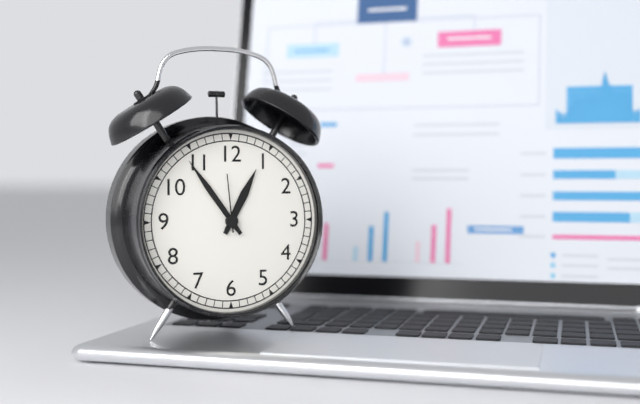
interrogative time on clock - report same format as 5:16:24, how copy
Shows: 12:54:59
